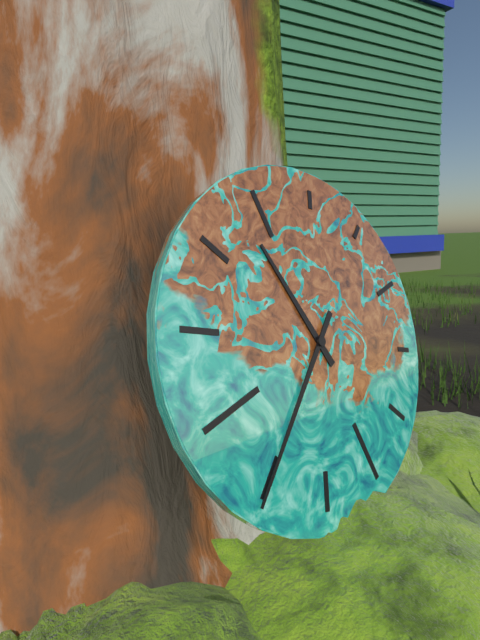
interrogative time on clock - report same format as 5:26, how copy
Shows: 11:40
